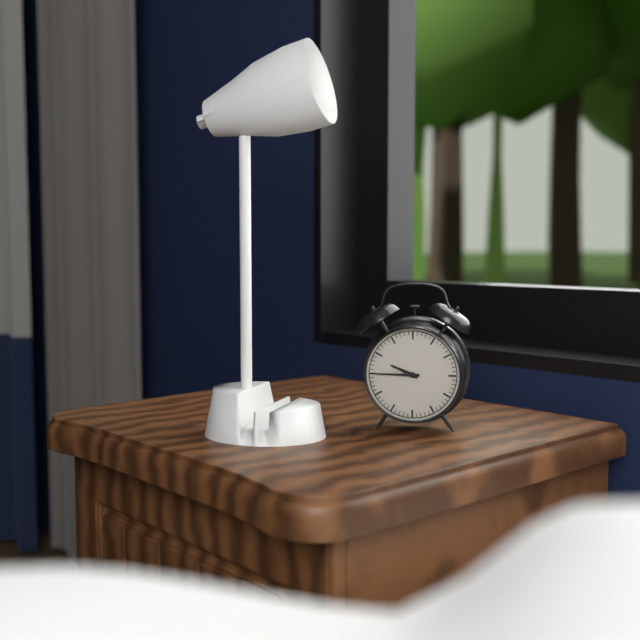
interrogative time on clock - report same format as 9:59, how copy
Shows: 9:45
